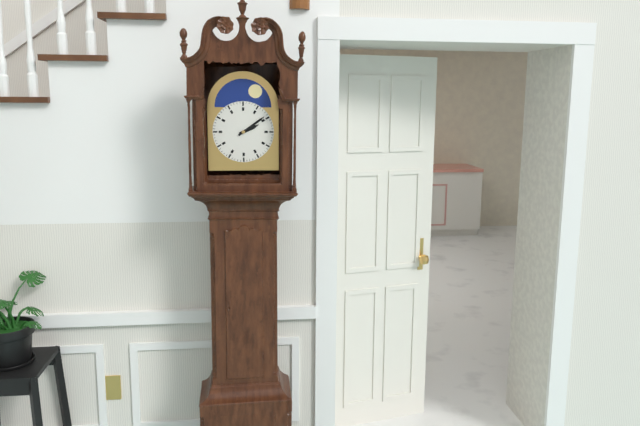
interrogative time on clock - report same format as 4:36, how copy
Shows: 2:09
